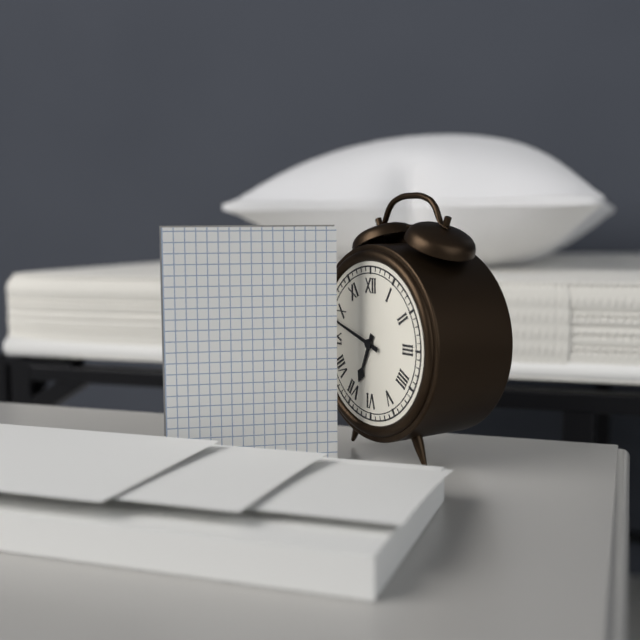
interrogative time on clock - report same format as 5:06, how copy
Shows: 6:48
